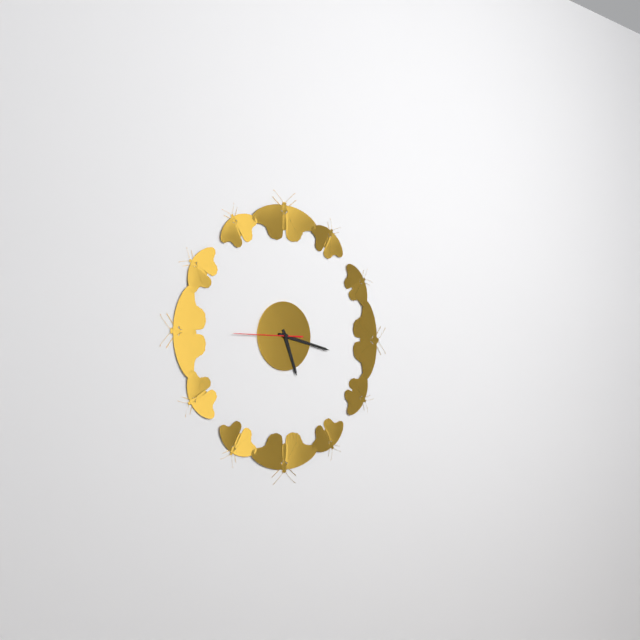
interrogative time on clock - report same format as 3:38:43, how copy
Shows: 5:17:45
